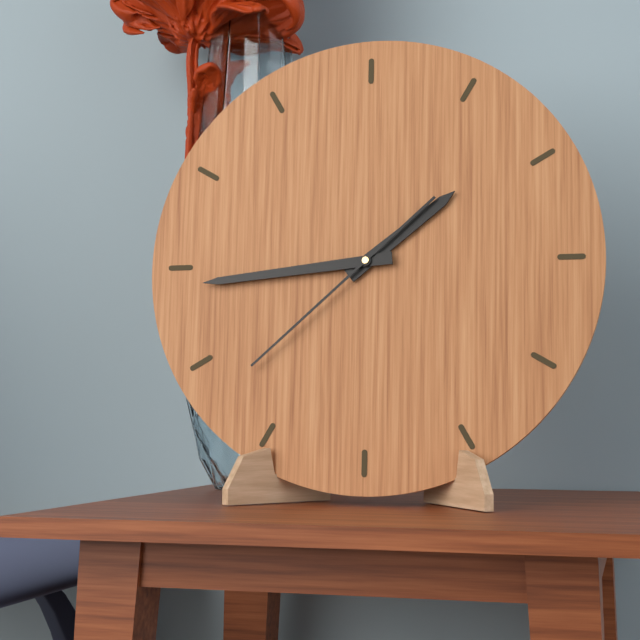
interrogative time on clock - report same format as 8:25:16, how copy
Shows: 1:44:38
